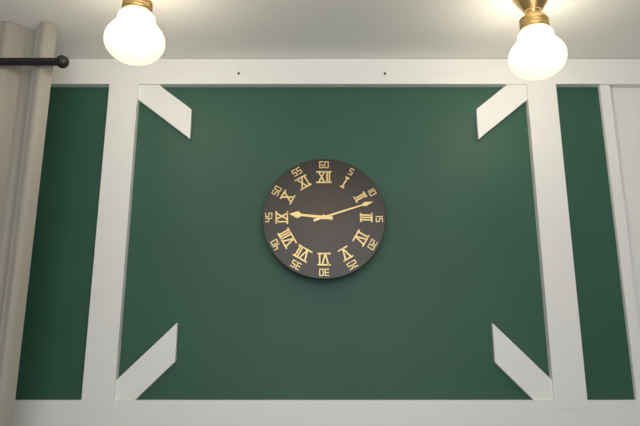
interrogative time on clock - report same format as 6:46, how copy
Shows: 9:12
